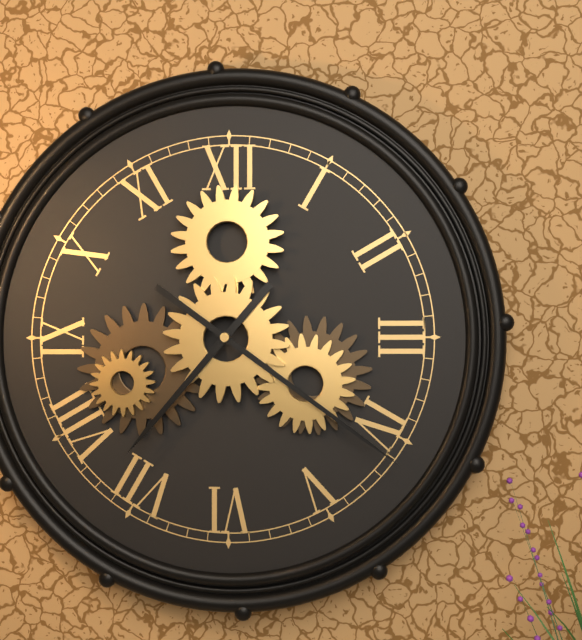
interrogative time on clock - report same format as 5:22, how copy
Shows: 7:21
